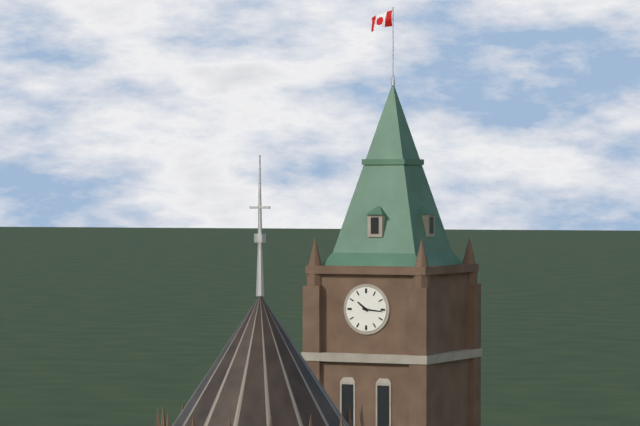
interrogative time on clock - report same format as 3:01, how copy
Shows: 10:16
